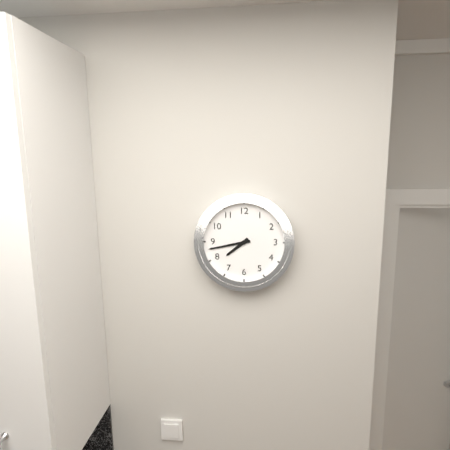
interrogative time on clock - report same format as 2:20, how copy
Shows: 7:43
